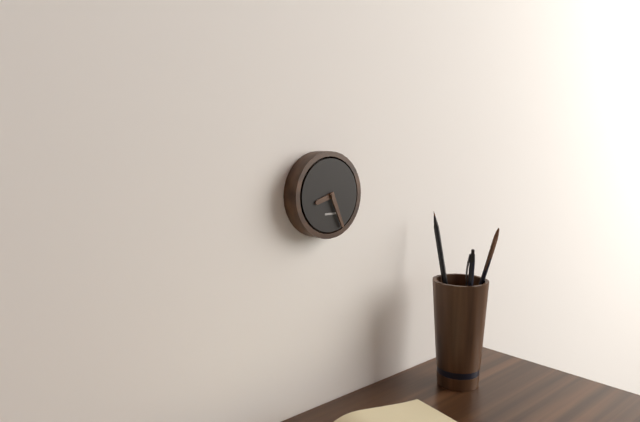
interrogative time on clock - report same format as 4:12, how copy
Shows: 8:26
